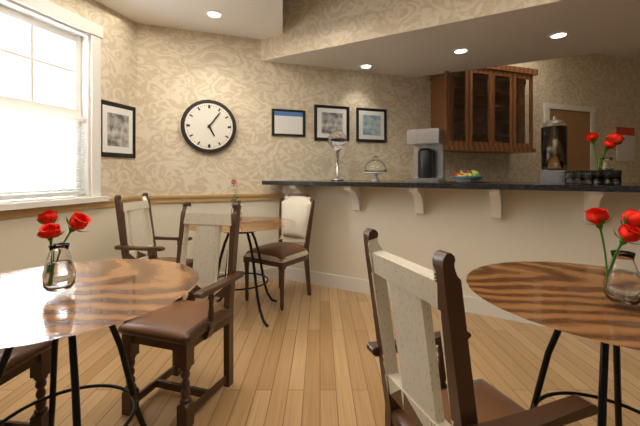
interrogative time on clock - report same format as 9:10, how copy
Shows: 5:06
